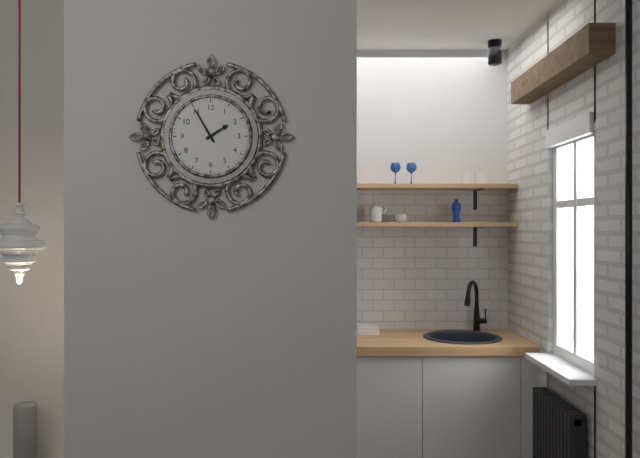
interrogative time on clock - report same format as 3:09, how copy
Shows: 1:55
